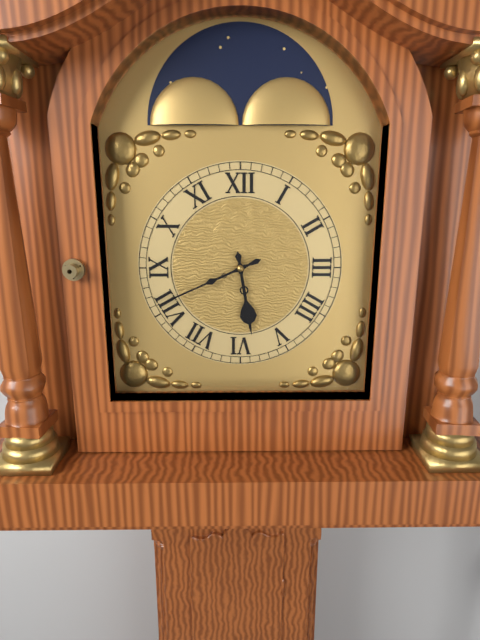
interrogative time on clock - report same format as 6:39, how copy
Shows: 5:41
